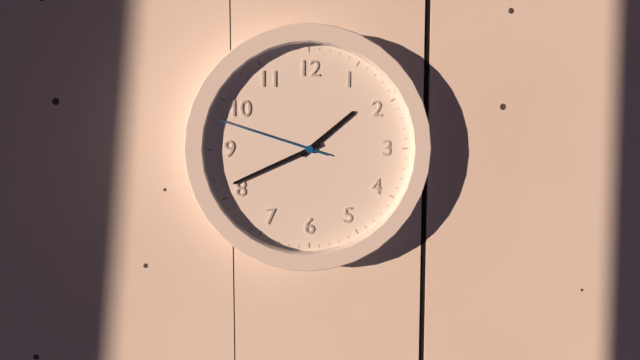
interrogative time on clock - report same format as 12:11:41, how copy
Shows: 1:41:48
